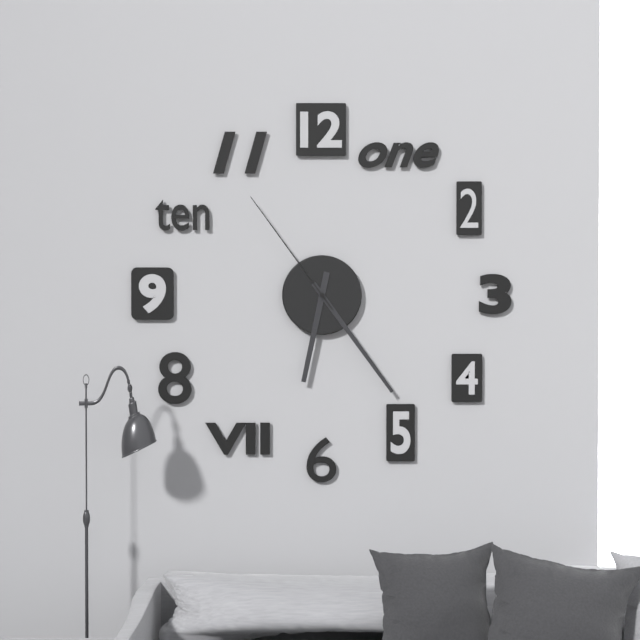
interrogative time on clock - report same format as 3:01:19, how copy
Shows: 6:24:54
